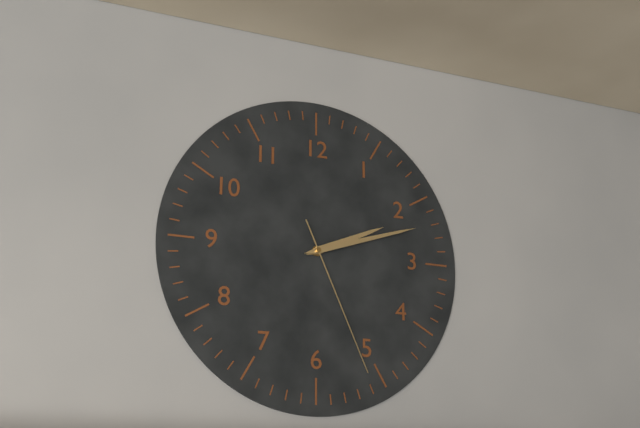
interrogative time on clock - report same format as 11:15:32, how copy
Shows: 2:12:26
